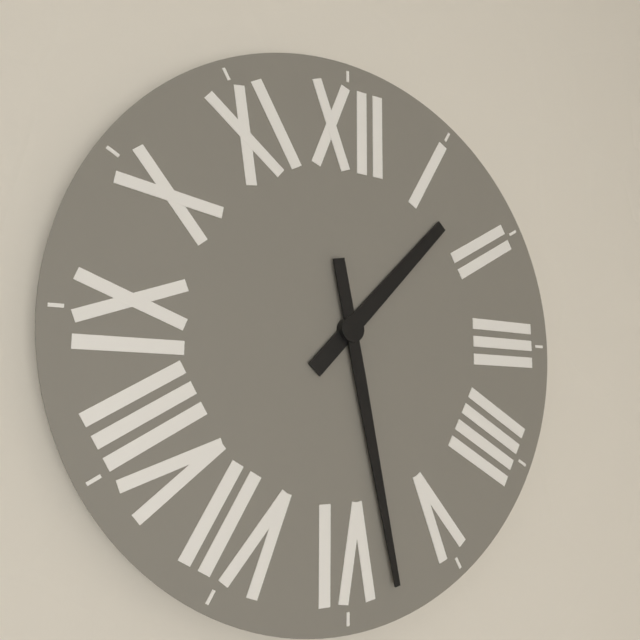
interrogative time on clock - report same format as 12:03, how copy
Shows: 1:28
